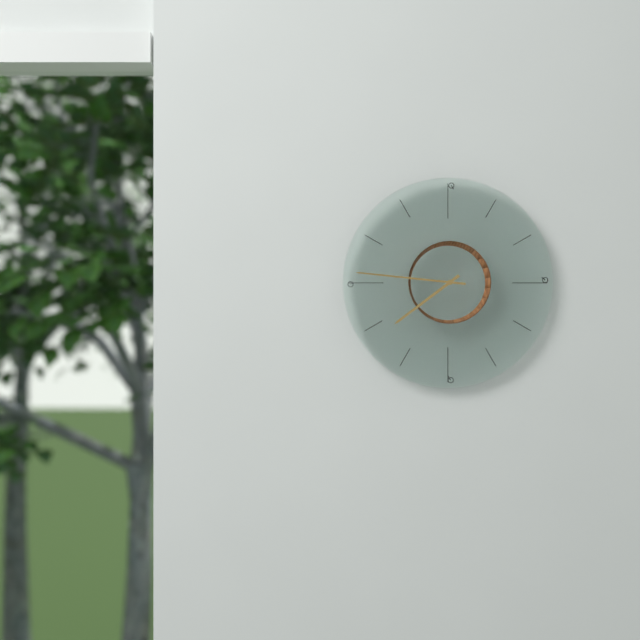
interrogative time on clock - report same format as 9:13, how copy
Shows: 7:46
